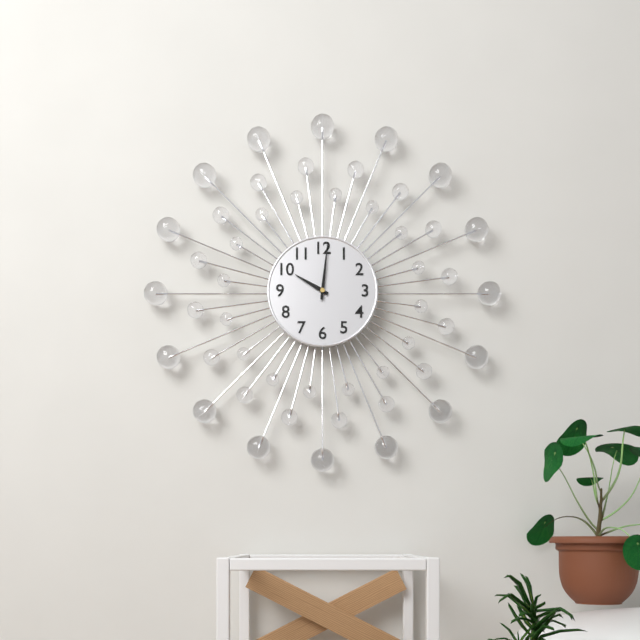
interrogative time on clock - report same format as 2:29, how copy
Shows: 10:01
